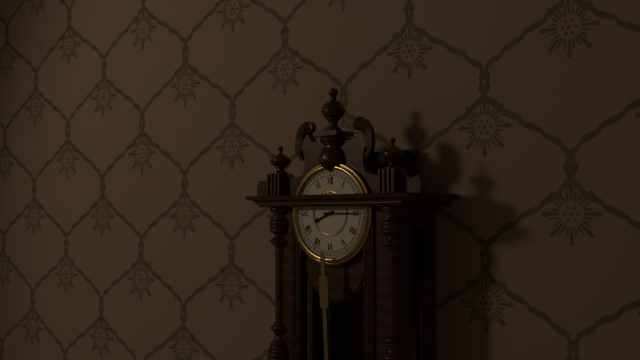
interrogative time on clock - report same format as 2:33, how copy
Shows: 8:15
